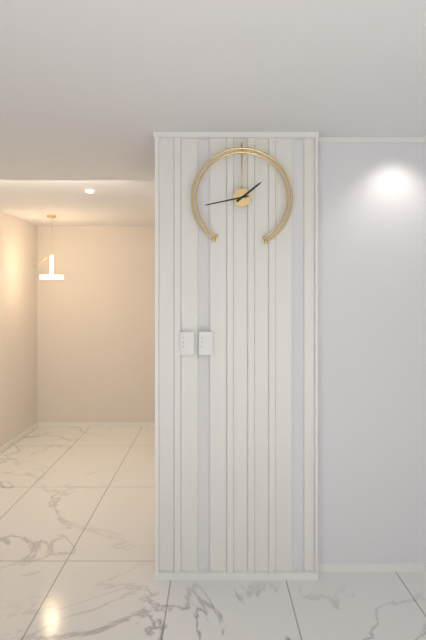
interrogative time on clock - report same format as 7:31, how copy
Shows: 1:43
